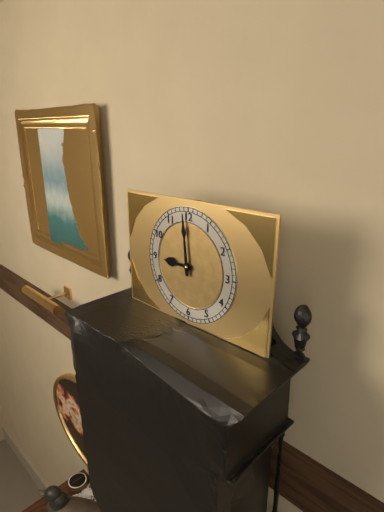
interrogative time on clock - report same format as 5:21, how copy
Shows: 8:59
